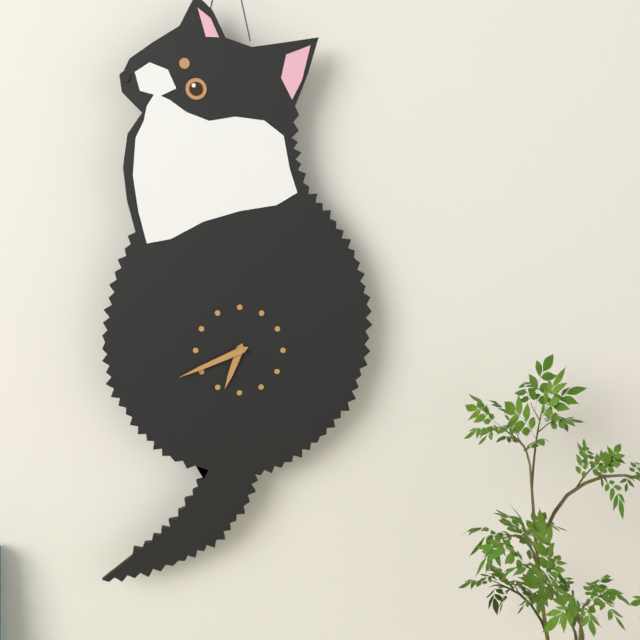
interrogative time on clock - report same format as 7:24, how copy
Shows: 6:41
